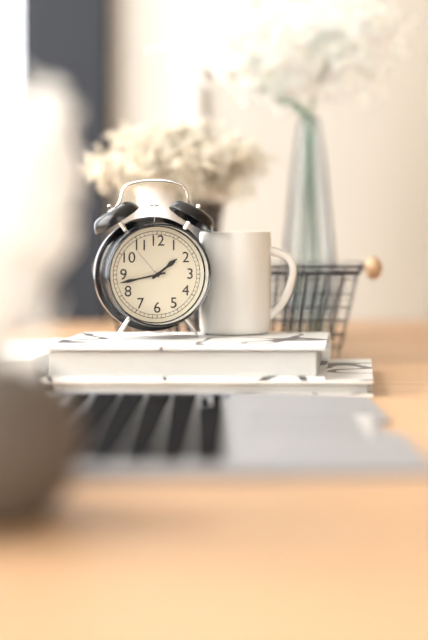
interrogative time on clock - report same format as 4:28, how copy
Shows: 1:43
